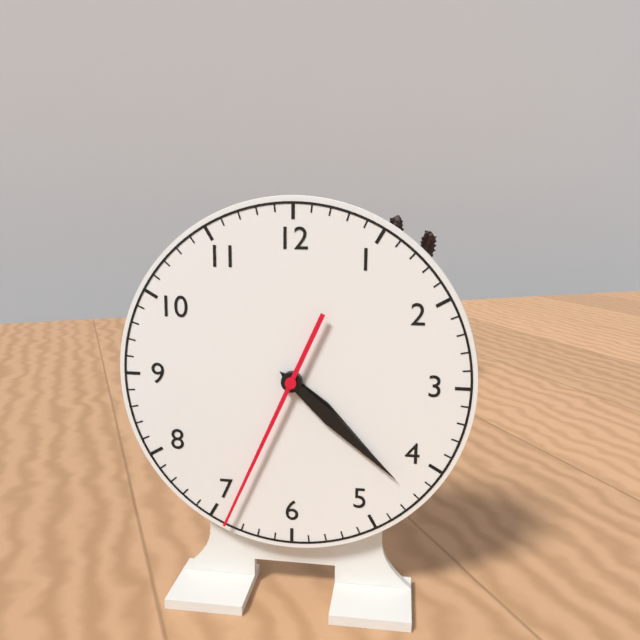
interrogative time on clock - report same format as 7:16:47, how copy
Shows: 4:22:34
